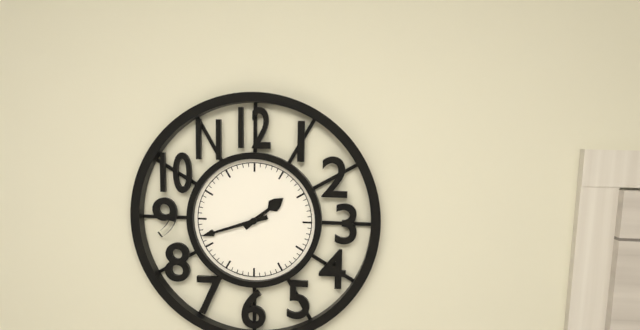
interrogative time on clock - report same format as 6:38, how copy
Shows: 1:42
